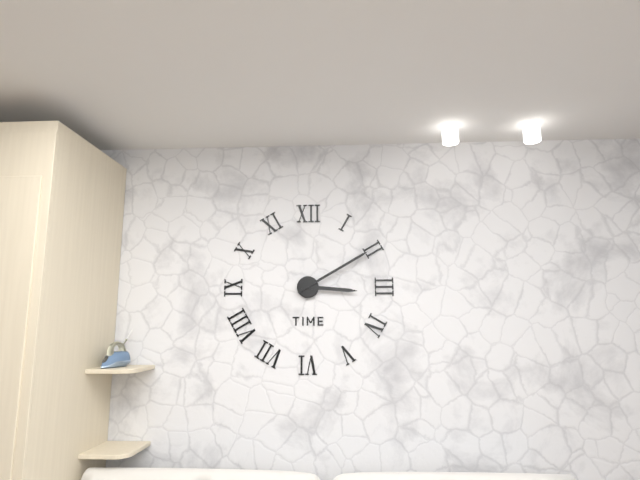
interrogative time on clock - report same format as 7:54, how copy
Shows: 3:10
